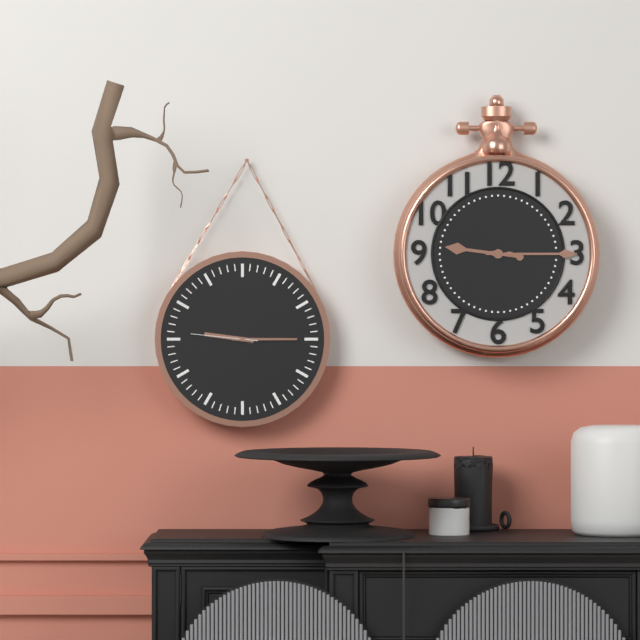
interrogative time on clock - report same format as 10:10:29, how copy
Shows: 9:15:46
